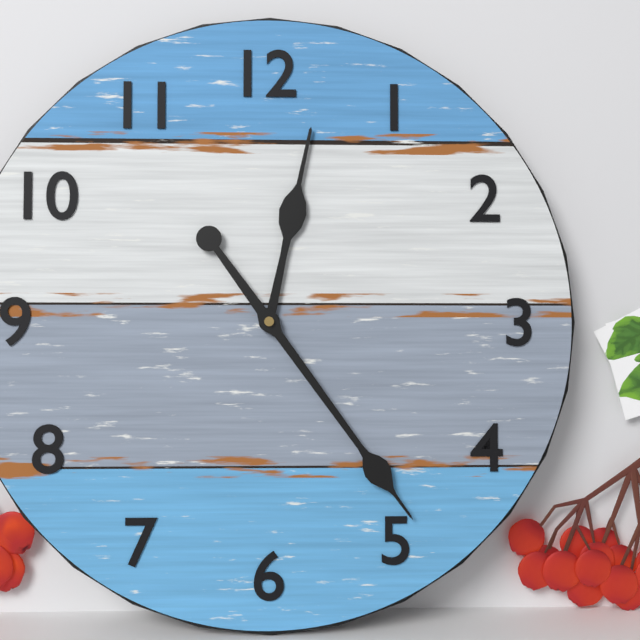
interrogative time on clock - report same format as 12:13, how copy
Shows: 12:24
